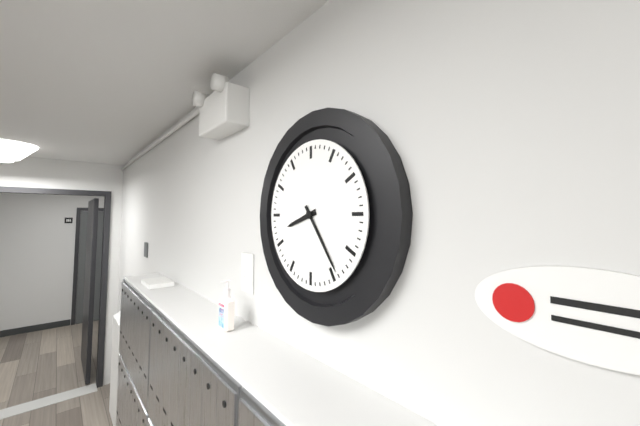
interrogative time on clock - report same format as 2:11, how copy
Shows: 8:24
